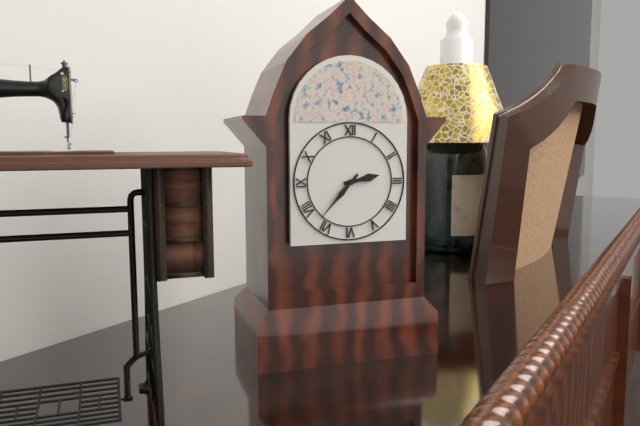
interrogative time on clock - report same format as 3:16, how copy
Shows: 2:37
